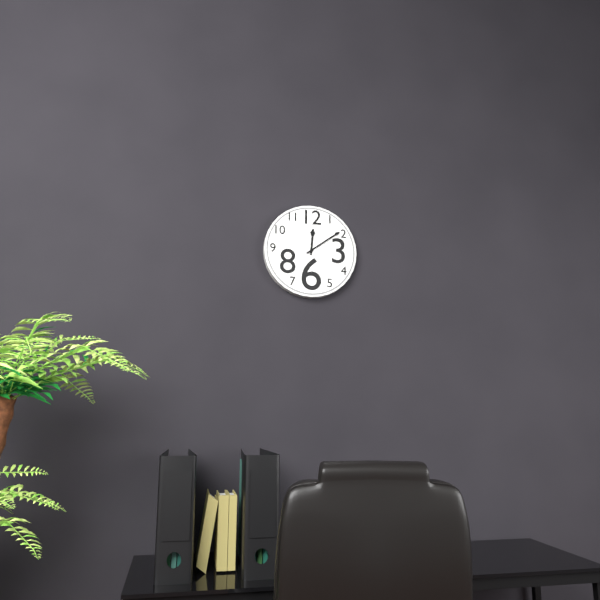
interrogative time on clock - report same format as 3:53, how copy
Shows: 12:09
